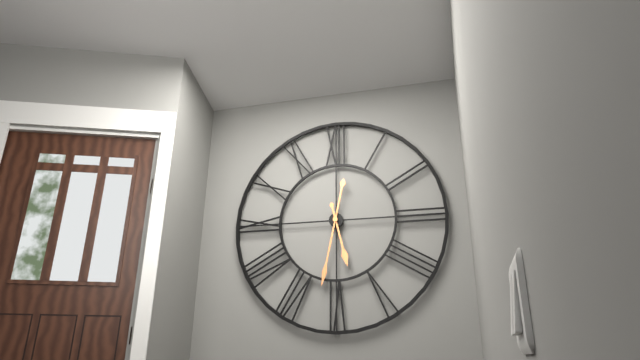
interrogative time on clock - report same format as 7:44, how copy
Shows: 5:32
